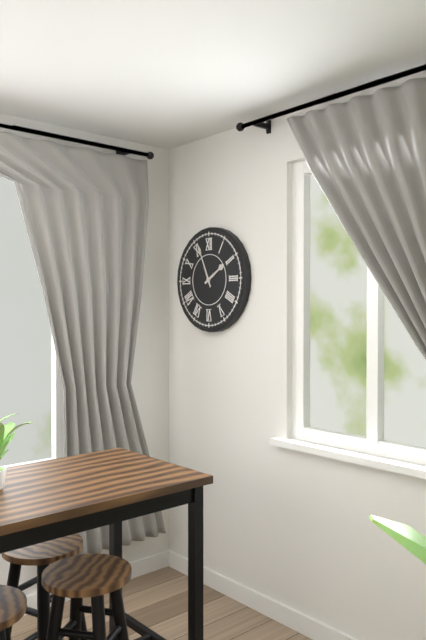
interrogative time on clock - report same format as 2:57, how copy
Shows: 1:56
